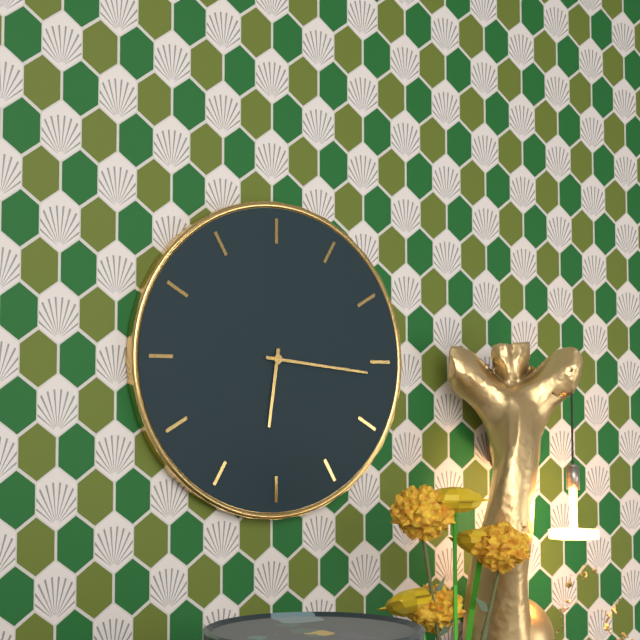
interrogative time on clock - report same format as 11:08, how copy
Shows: 6:16
